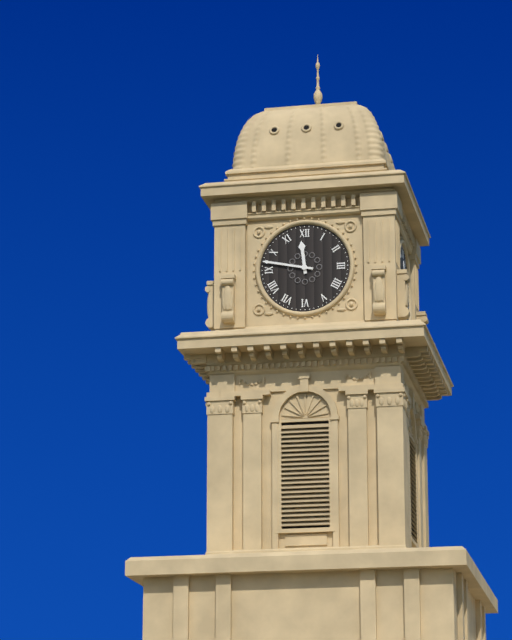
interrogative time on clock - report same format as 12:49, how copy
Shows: 11:47
